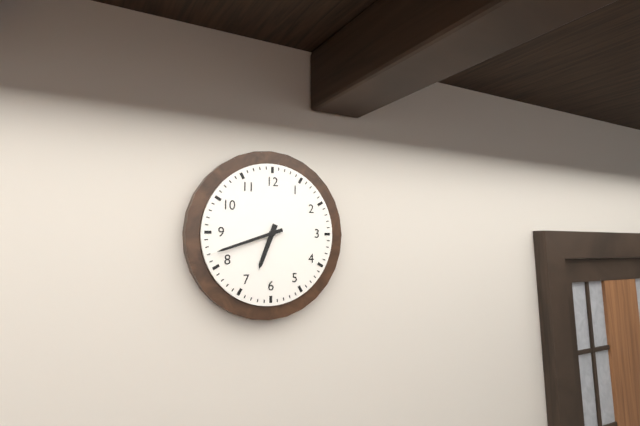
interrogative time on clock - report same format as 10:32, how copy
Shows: 6:42
